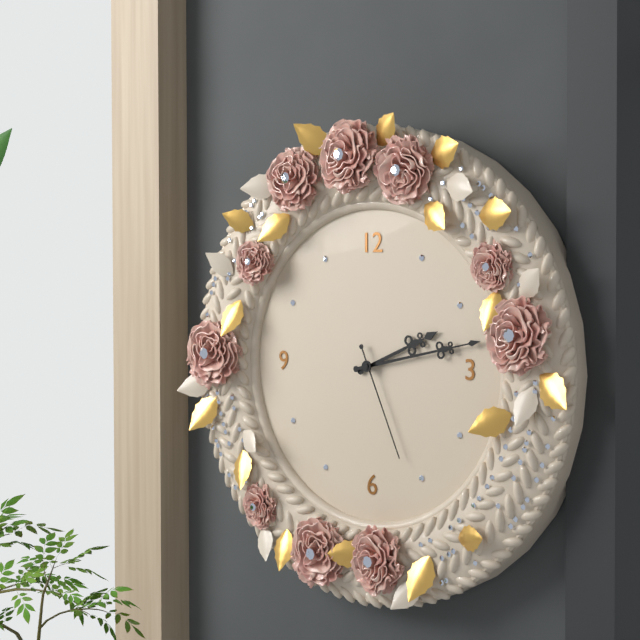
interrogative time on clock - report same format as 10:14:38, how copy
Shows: 2:13:26
